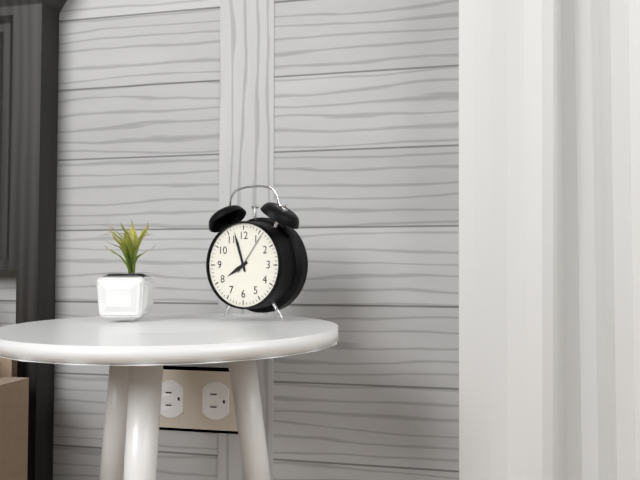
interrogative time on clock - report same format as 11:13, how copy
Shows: 7:57
